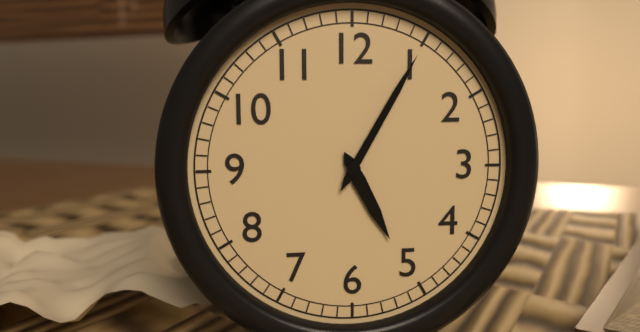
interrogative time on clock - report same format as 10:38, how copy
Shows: 5:05
